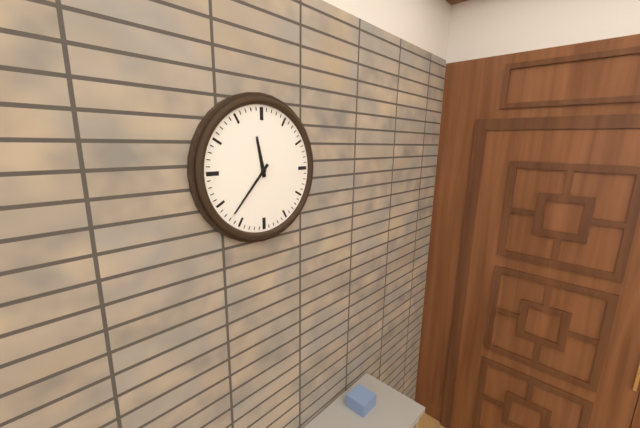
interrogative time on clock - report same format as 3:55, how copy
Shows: 11:37
